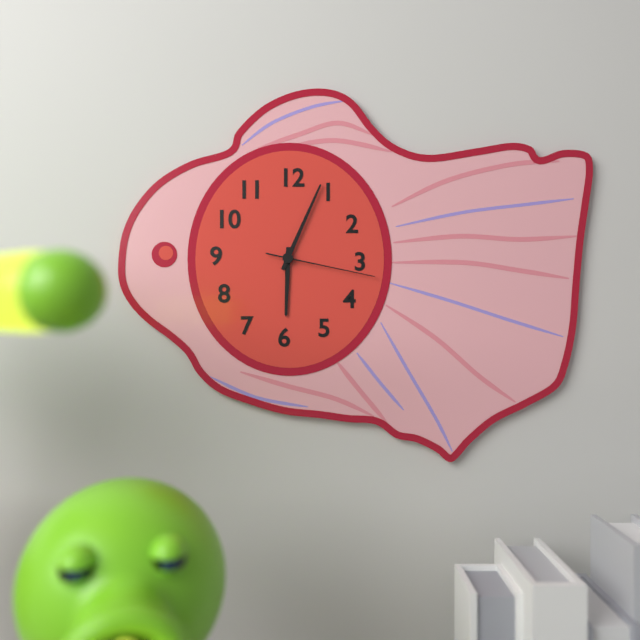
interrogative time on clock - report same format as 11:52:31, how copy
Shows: 6:04:17
